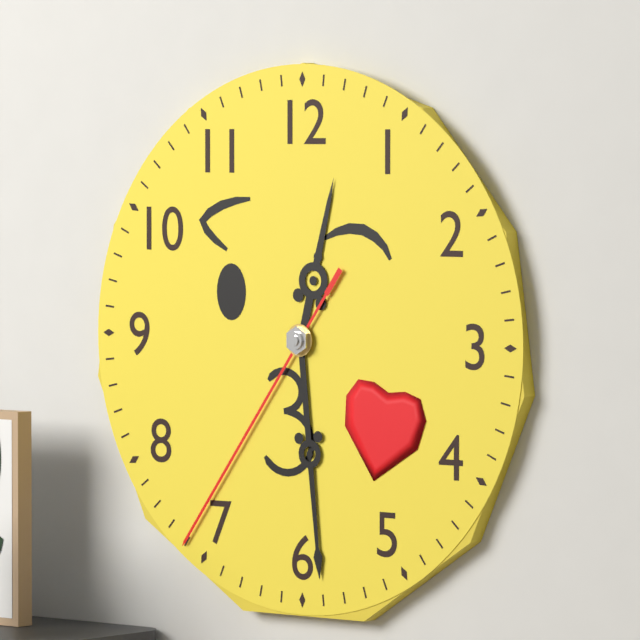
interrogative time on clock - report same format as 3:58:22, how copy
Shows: 12:29:36
